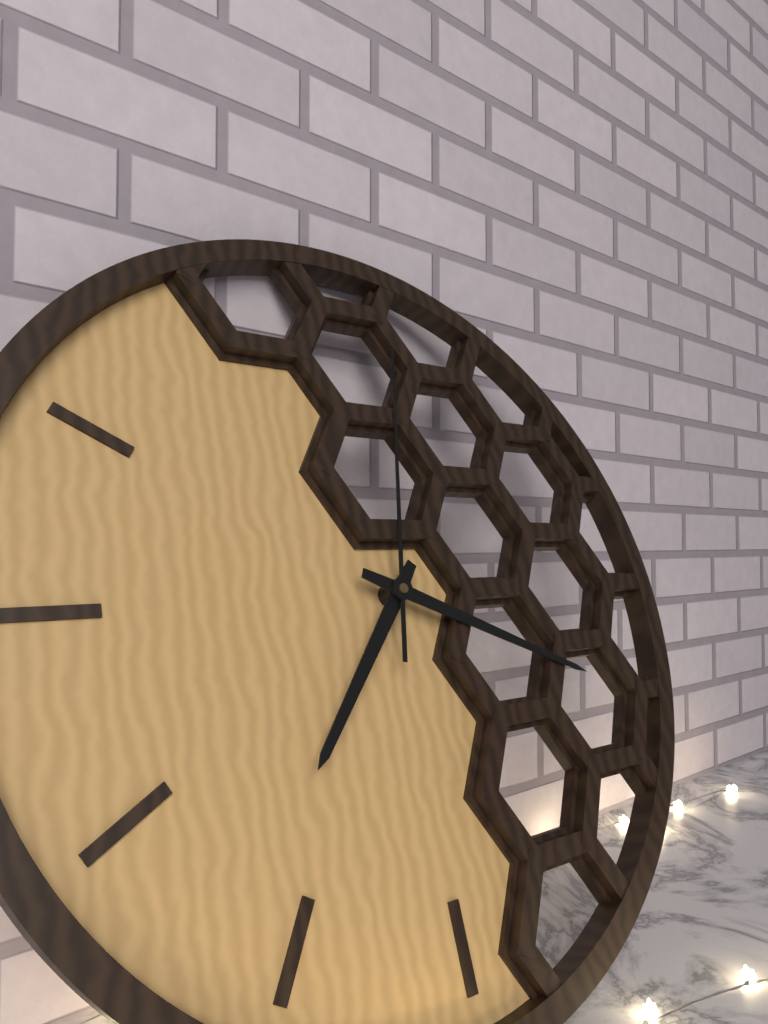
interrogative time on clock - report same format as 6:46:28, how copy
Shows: 7:19:02
